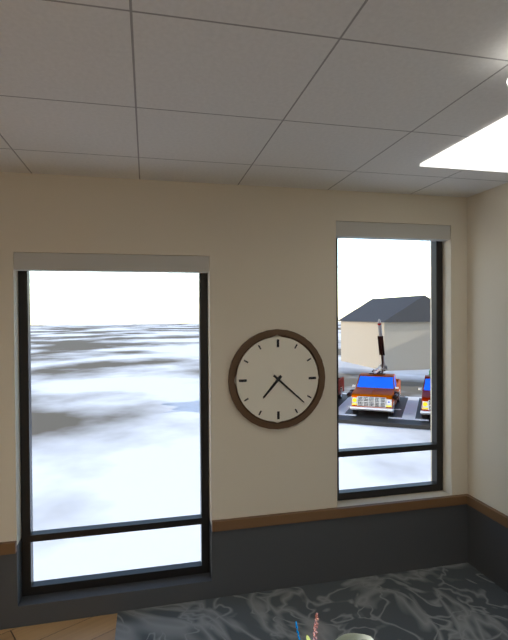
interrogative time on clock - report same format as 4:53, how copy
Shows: 7:22
